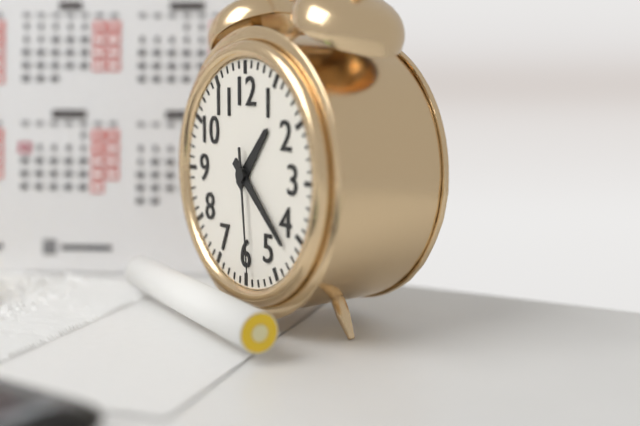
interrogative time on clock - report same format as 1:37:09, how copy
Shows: 1:22:29
